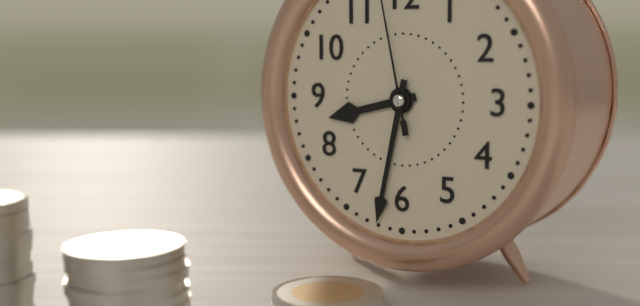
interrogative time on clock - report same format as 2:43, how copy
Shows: 8:32
